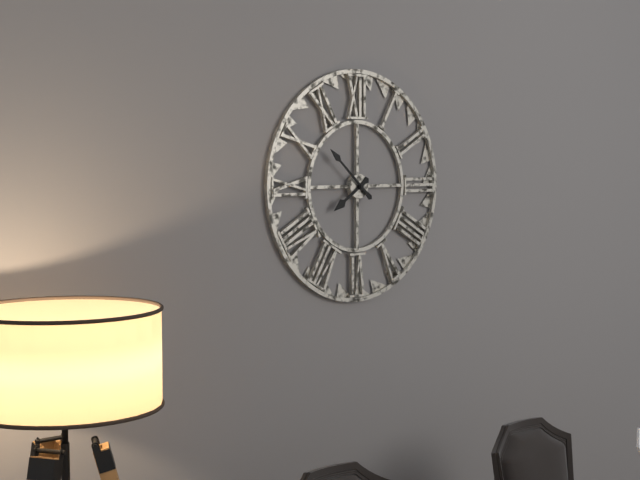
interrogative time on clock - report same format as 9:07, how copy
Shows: 7:52
